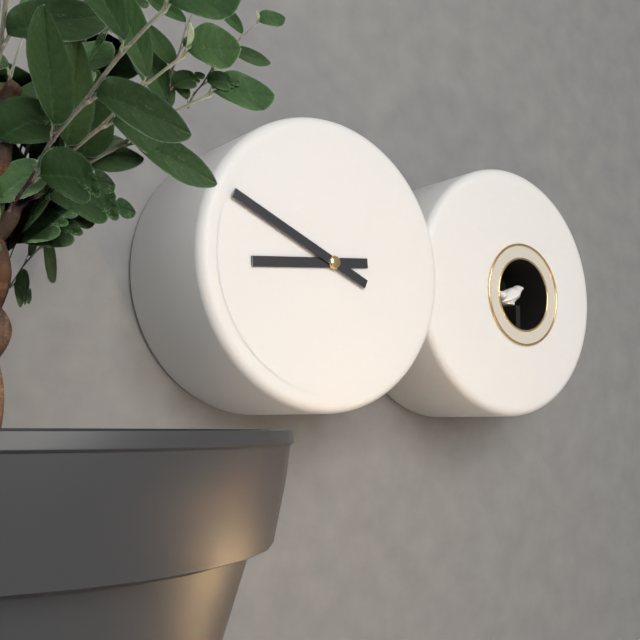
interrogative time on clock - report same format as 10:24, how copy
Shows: 8:49
